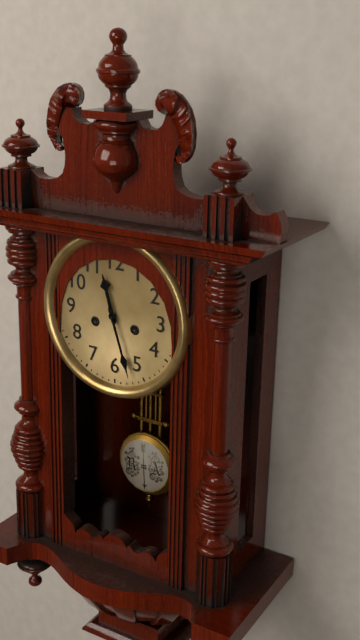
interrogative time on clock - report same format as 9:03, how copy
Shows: 11:27
